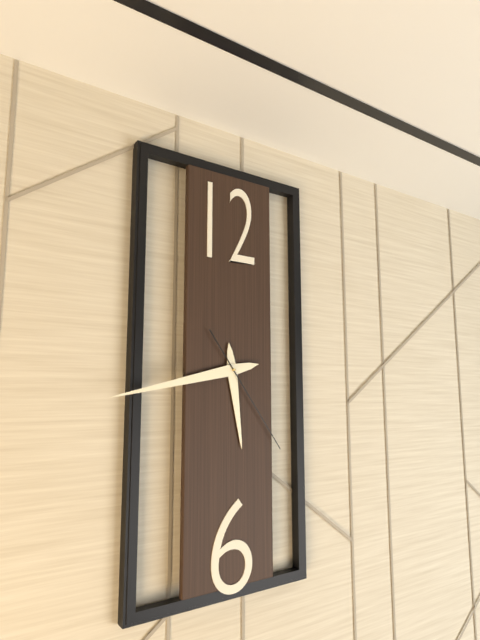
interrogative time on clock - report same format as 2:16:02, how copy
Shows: 5:43:24
